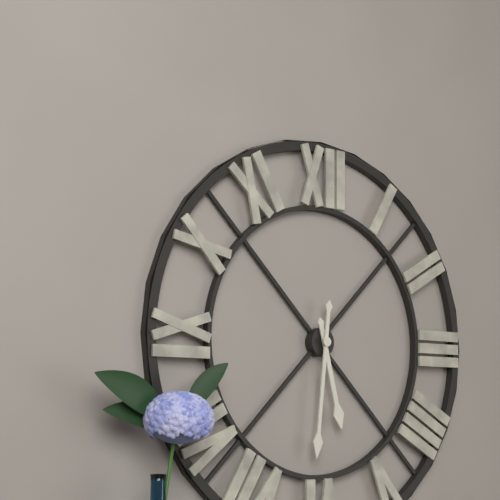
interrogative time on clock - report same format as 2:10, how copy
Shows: 5:31
